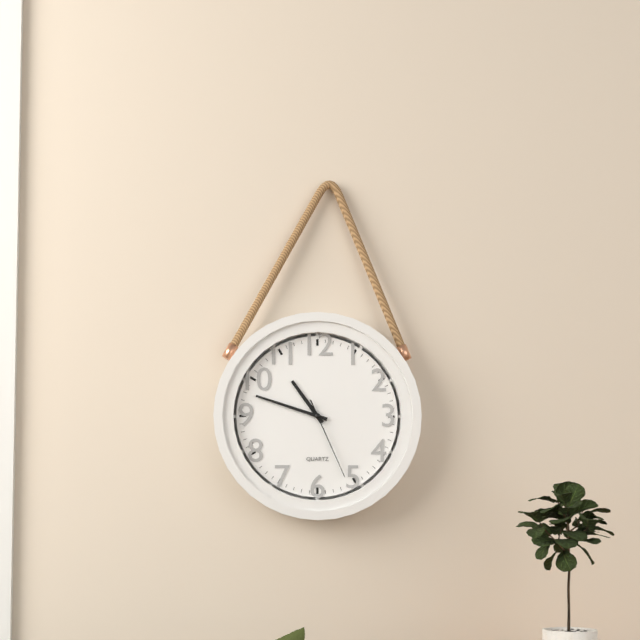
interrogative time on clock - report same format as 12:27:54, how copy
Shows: 10:48:26
